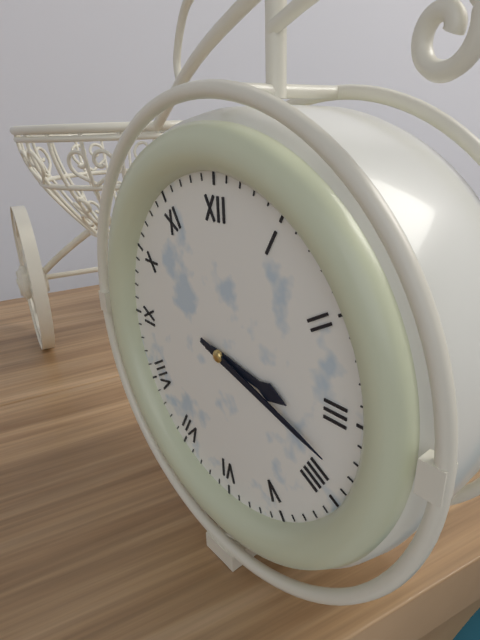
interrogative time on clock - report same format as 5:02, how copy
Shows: 3:18
